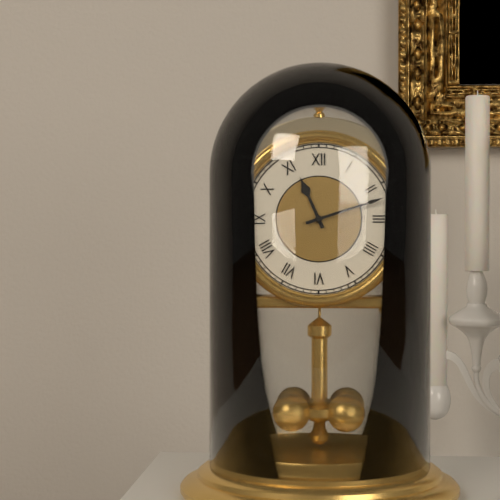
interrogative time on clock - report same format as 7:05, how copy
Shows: 11:12
